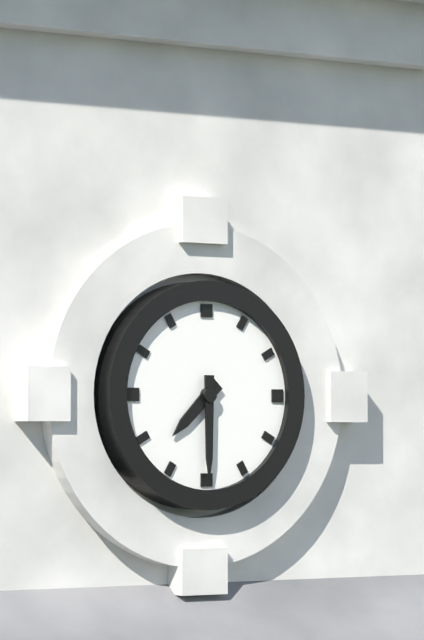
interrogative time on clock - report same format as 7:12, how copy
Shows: 7:30
